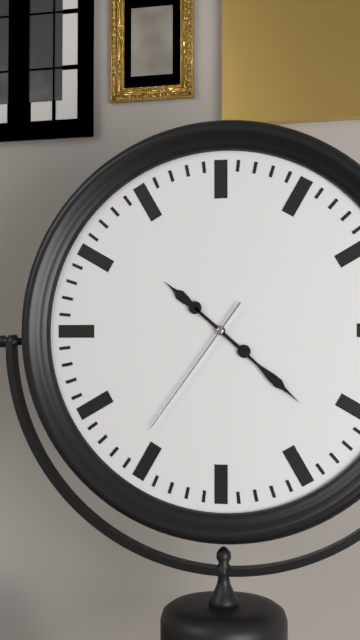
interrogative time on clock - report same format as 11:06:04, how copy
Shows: 10:22:36
